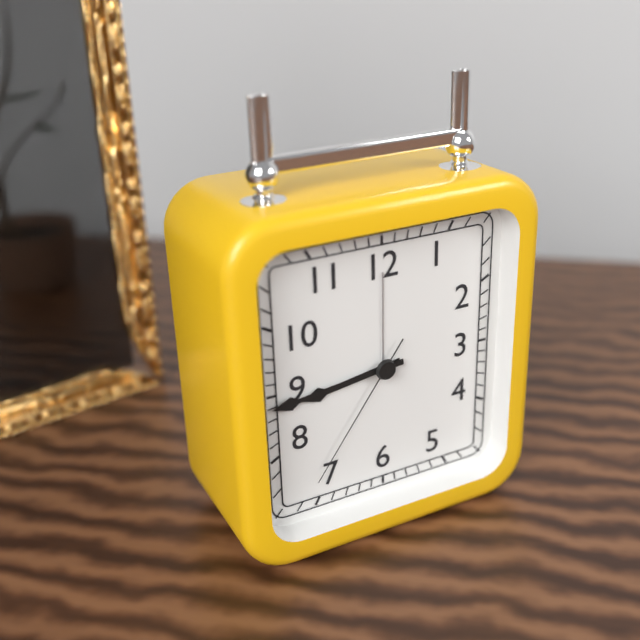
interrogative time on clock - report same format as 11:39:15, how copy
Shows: 8:44:36
